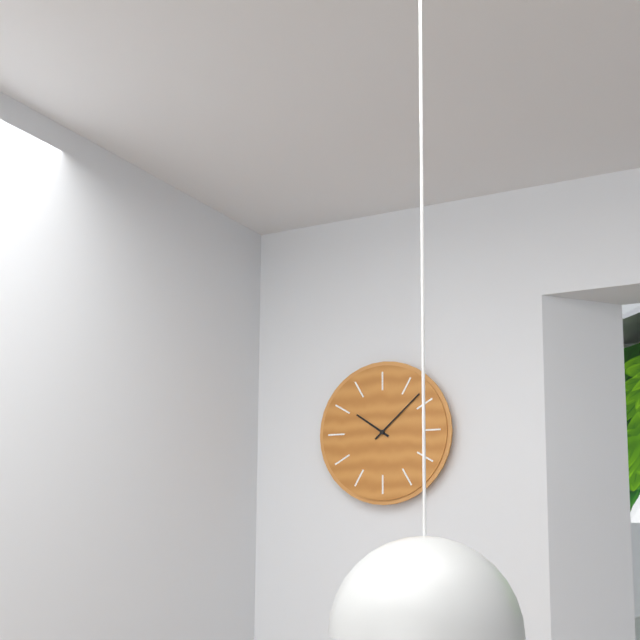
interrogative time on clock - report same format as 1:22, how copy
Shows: 10:08
